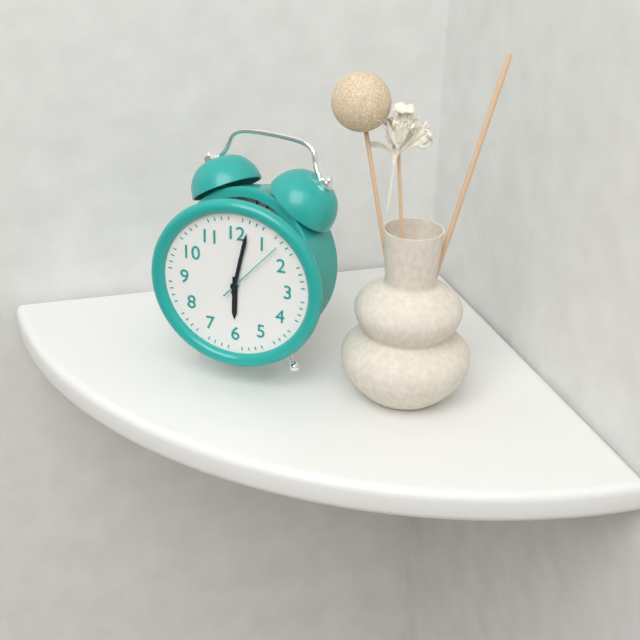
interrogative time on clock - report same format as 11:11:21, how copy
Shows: 6:02:07
